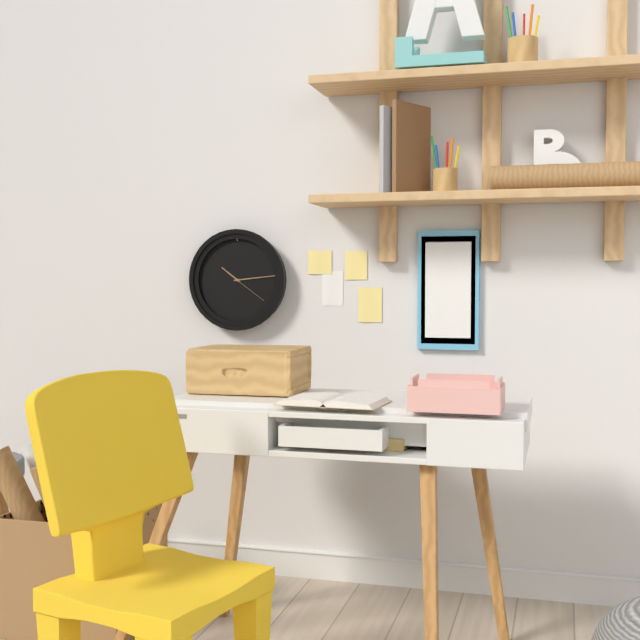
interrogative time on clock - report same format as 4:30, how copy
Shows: 10:14
